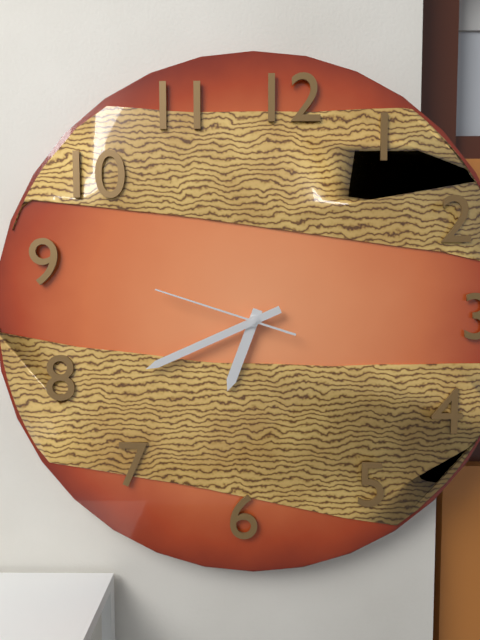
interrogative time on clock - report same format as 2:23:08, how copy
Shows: 6:41:48
